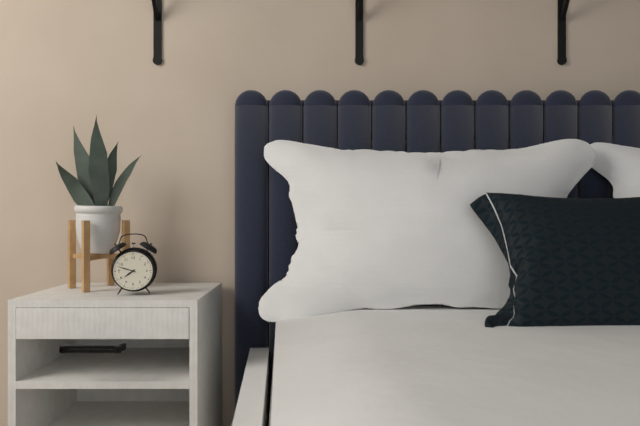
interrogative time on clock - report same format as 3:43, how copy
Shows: 7:48
